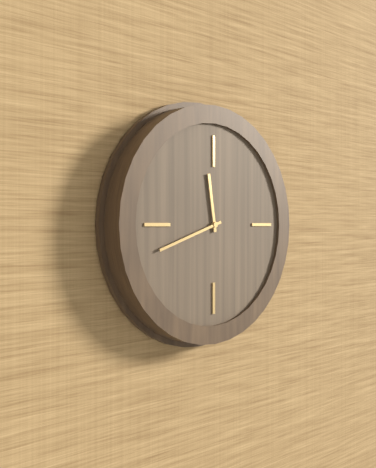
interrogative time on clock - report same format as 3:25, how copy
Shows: 11:42
